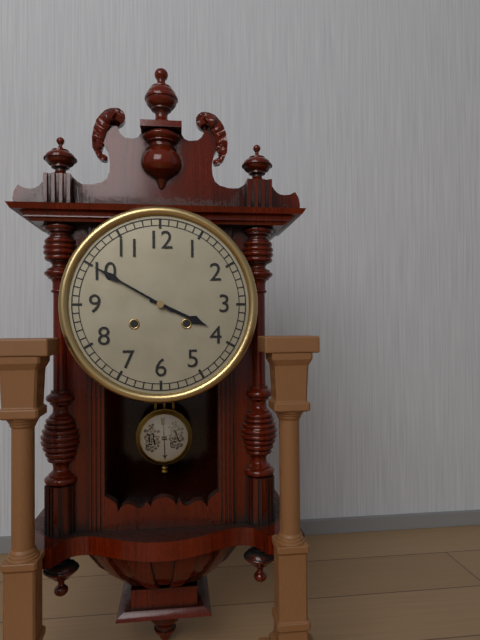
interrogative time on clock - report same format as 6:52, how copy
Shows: 3:50
